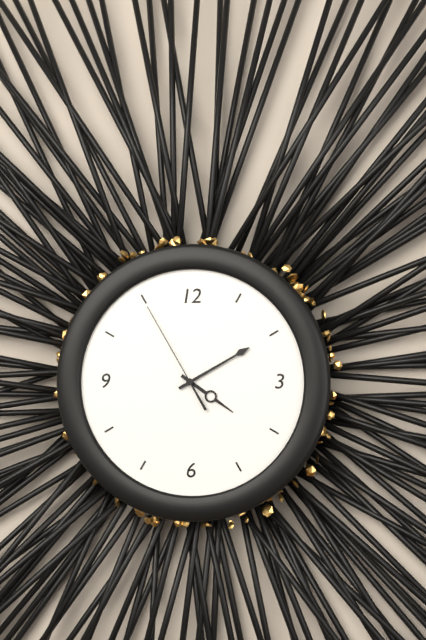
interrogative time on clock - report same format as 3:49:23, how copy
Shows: 4:10:55
